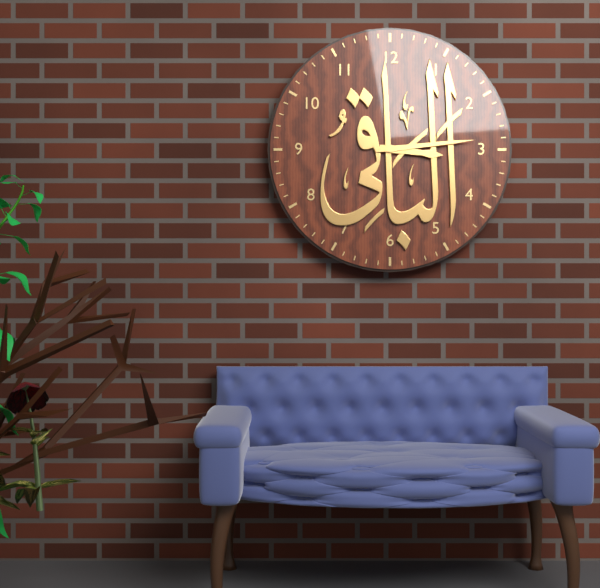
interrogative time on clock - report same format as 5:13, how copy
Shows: 3:14
